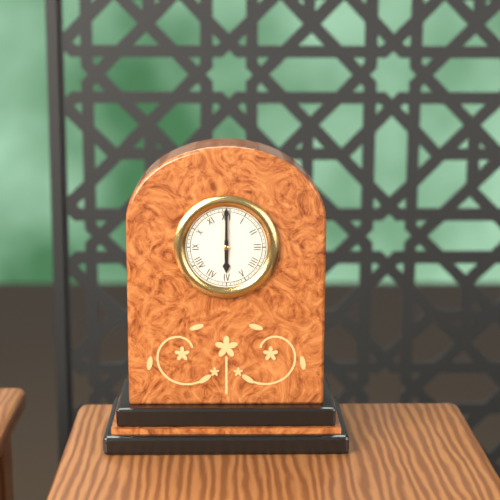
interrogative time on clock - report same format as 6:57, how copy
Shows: 6:00
